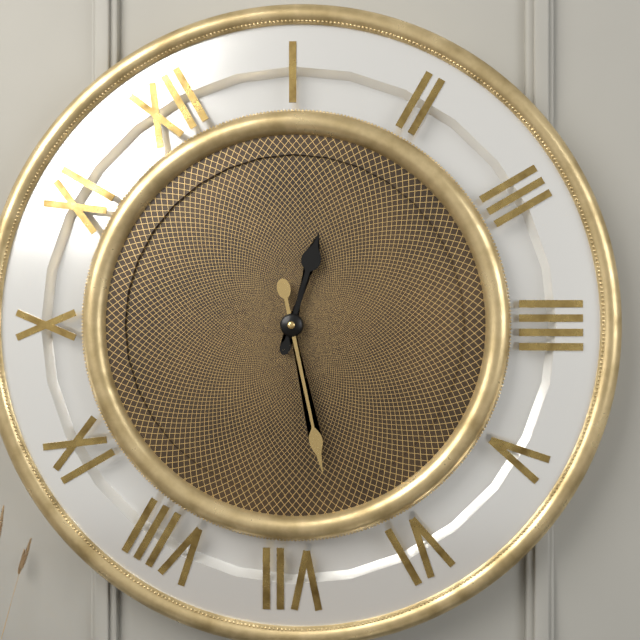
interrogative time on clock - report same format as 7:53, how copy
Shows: 1:33
